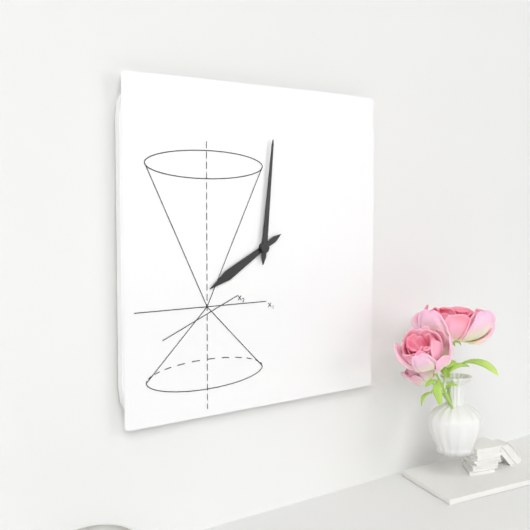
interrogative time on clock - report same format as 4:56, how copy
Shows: 8:01
